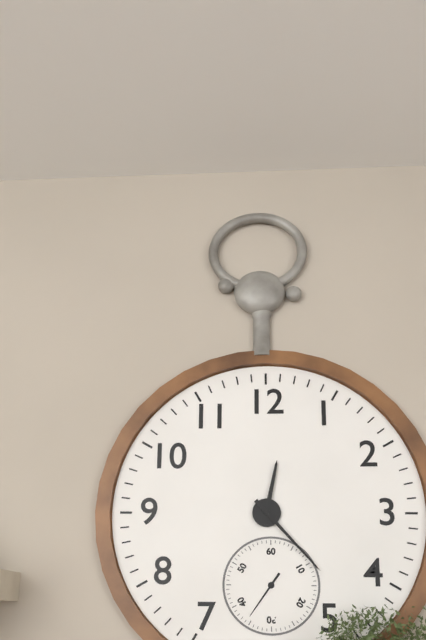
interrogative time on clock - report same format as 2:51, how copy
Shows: 12:23
